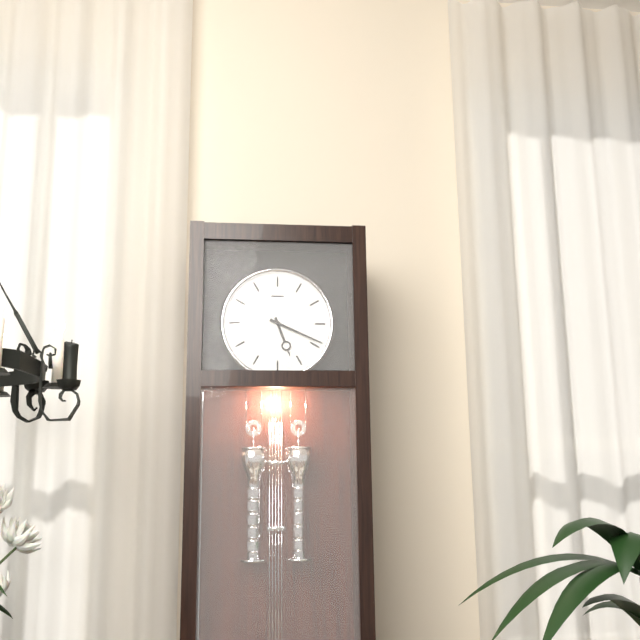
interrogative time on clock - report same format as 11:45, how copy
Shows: 5:19
